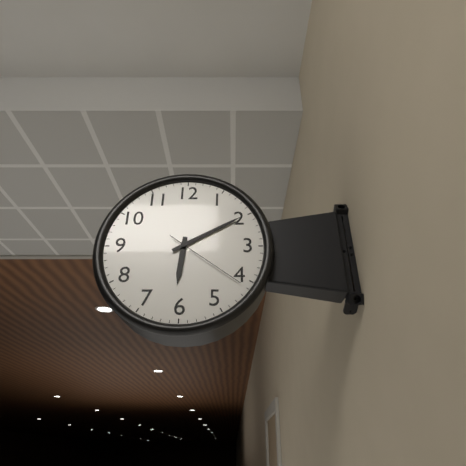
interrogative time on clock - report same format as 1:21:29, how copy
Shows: 6:10:21
